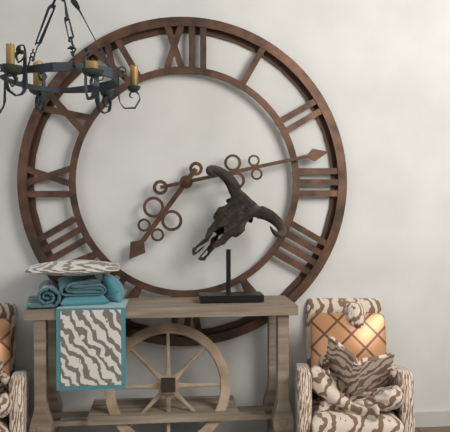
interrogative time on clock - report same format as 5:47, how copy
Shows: 7:13
